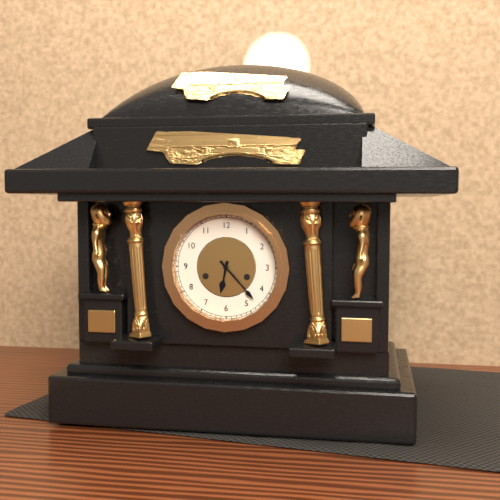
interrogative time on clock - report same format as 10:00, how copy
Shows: 6:23
